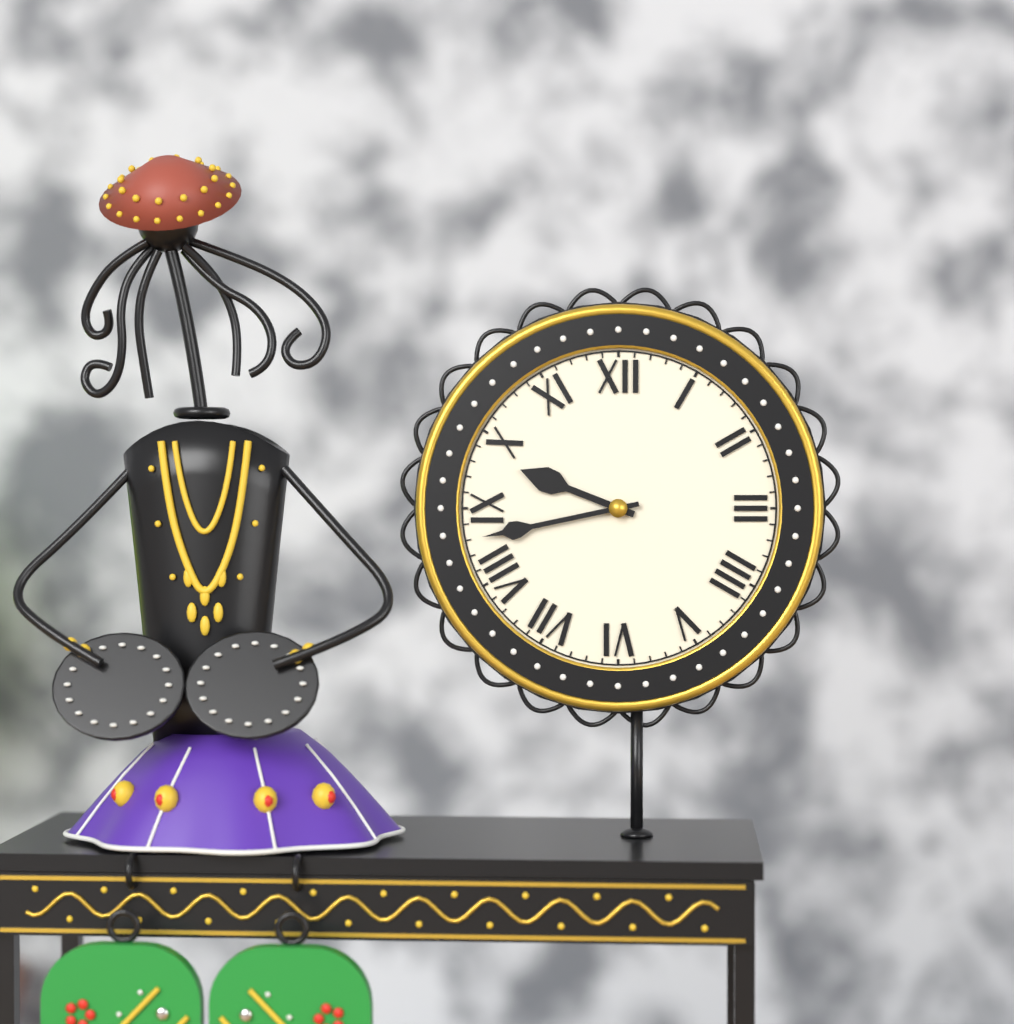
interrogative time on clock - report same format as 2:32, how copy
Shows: 9:43
